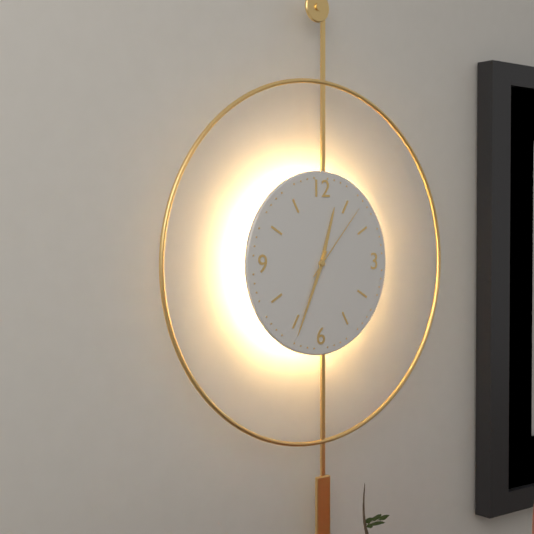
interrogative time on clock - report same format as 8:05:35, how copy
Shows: 12:34:07
